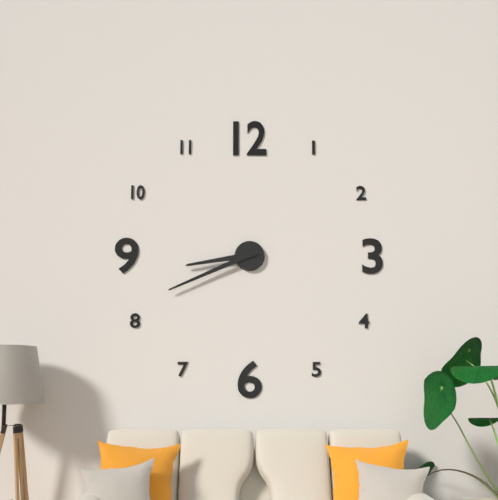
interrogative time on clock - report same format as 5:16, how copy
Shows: 8:41
